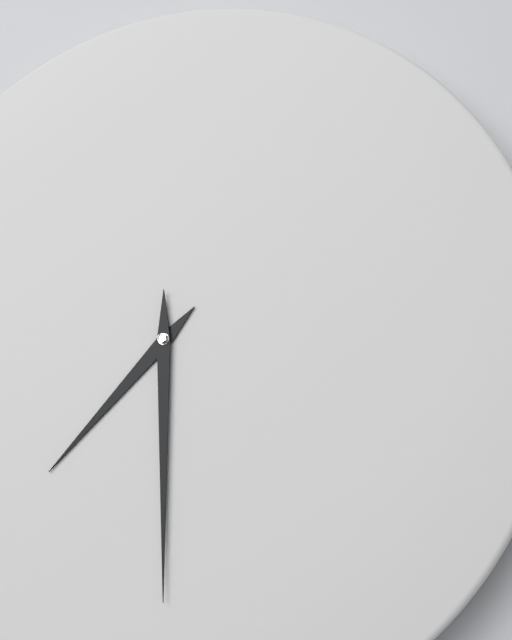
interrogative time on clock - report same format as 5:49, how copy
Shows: 7:30
